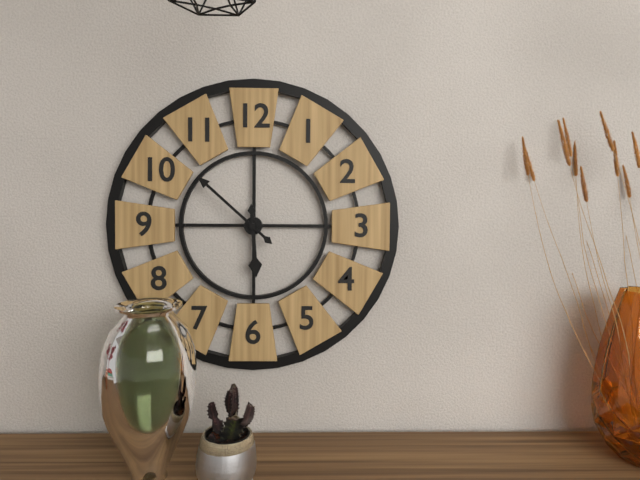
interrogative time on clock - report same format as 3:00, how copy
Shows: 5:52
